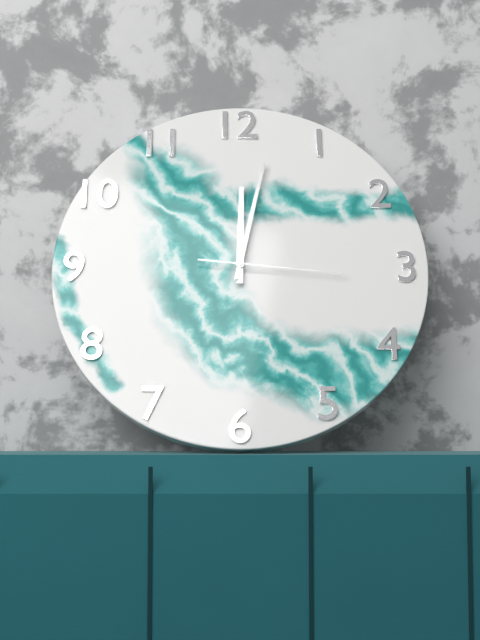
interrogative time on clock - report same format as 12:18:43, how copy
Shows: 12:02:16
